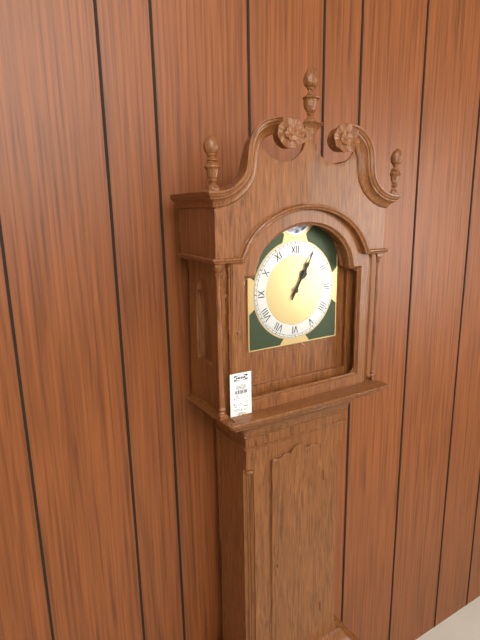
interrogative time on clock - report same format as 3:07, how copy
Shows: 1:05
